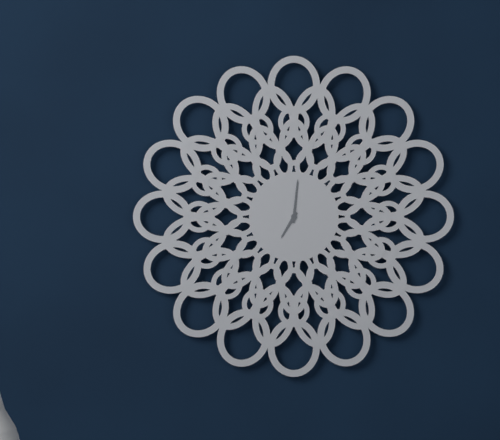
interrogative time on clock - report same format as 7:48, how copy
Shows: 7:01
